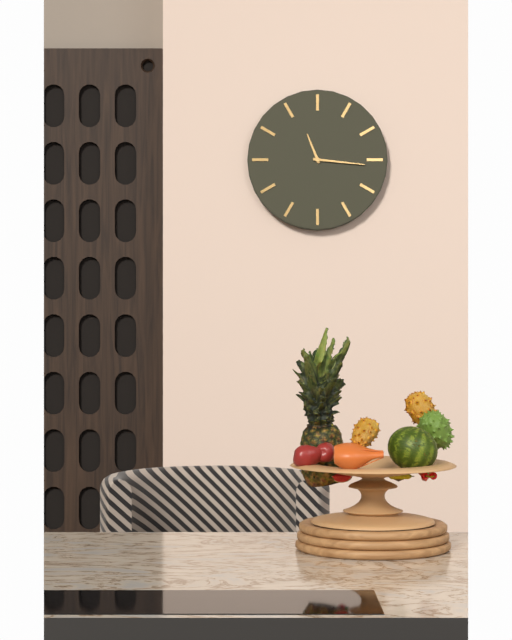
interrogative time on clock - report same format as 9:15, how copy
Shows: 11:16
